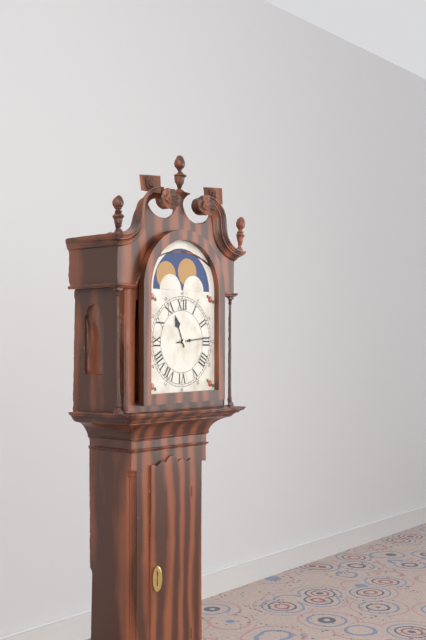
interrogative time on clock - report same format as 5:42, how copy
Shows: 11:14
